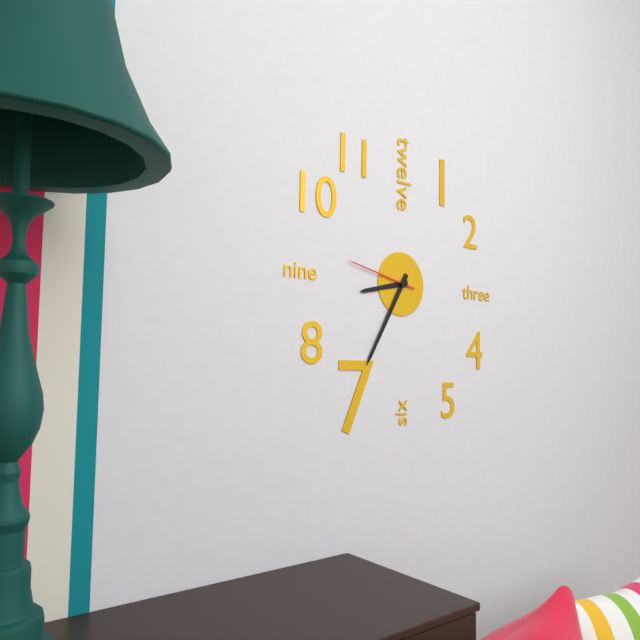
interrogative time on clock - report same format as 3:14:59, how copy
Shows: 8:35:47
